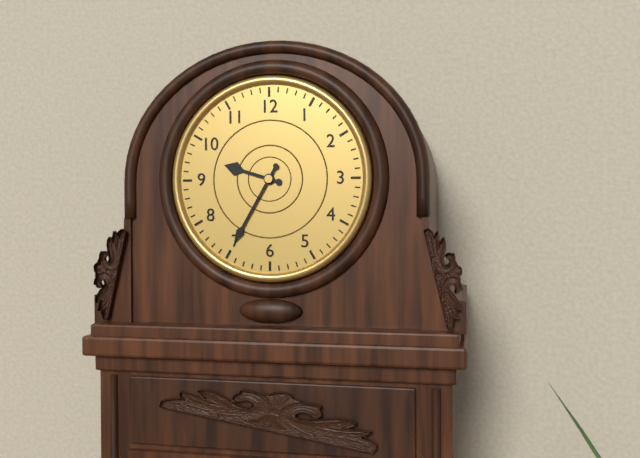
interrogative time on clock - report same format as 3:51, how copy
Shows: 9:35
